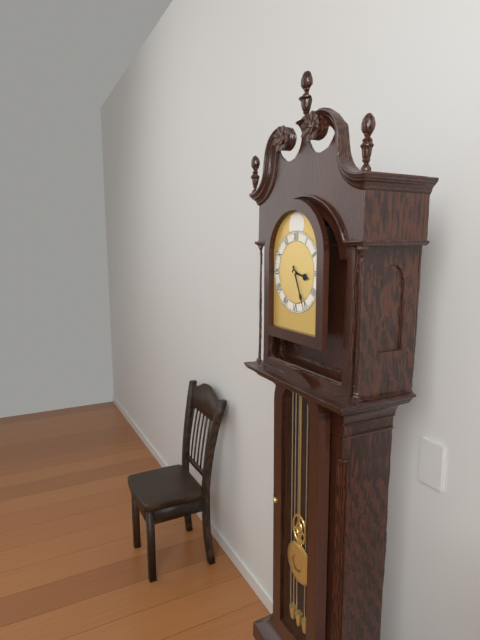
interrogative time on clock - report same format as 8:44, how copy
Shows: 3:26
